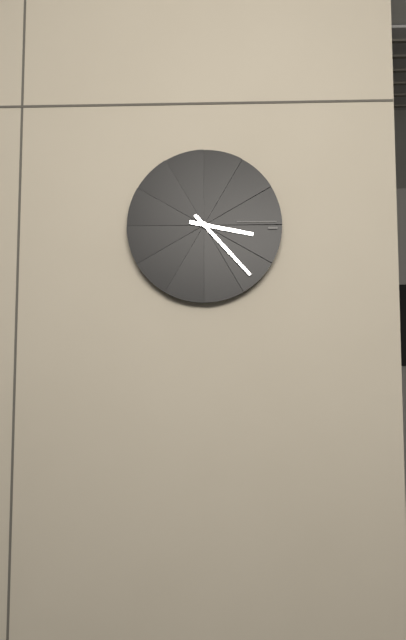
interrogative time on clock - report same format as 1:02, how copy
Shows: 3:23
